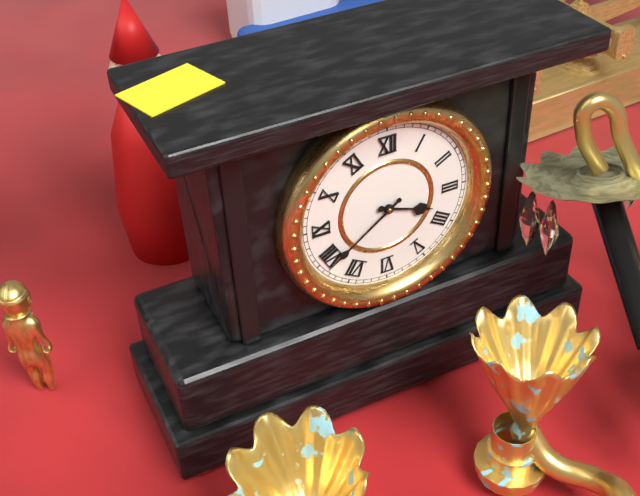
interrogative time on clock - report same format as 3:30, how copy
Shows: 3:39
